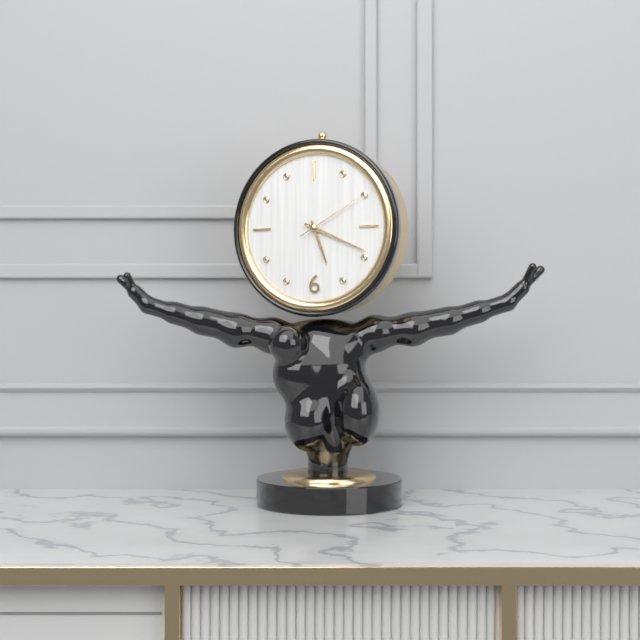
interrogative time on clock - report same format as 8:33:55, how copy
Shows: 5:19:10
